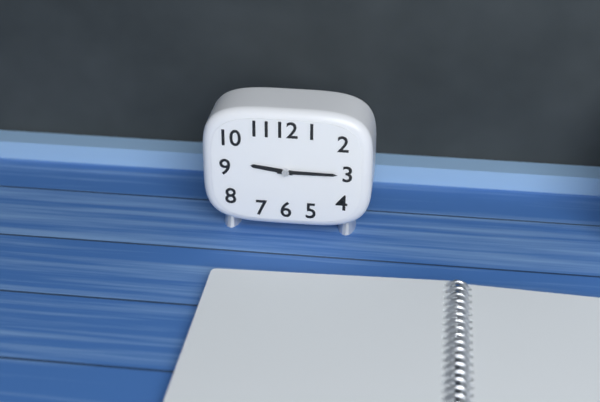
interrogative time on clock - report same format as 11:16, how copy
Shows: 9:15
